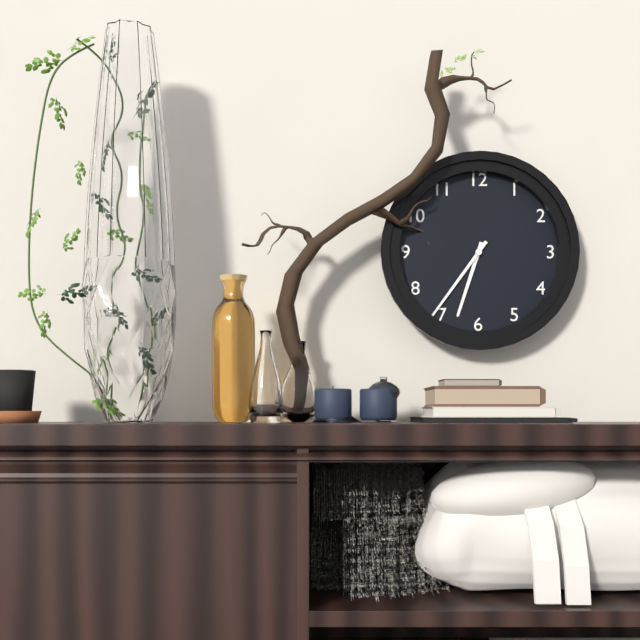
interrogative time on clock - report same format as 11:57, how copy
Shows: 6:36
